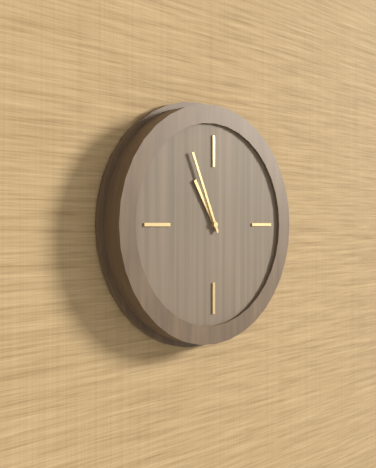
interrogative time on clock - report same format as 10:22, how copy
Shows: 10:56
